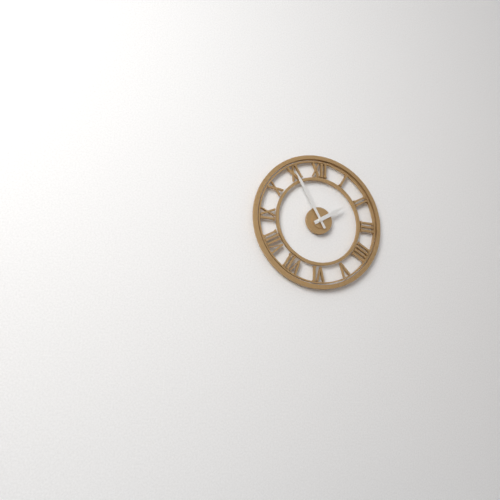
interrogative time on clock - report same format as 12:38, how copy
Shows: 1:55
